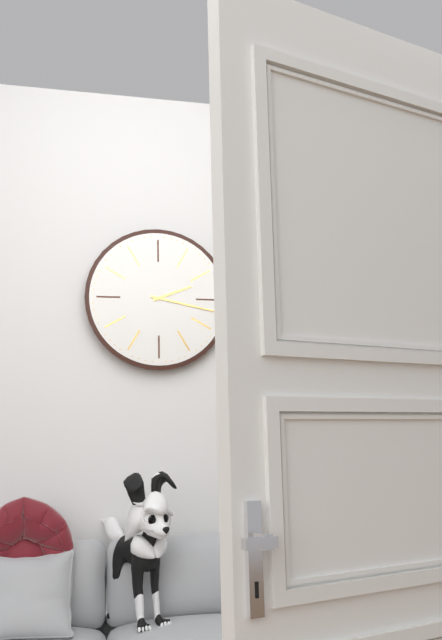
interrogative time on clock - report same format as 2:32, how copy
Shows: 2:17
